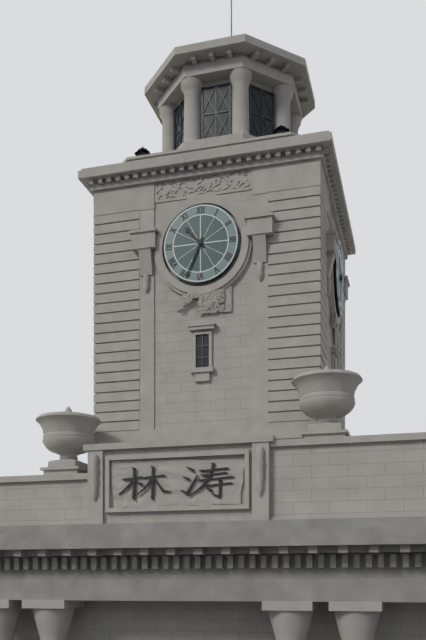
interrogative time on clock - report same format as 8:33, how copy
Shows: 10:34
